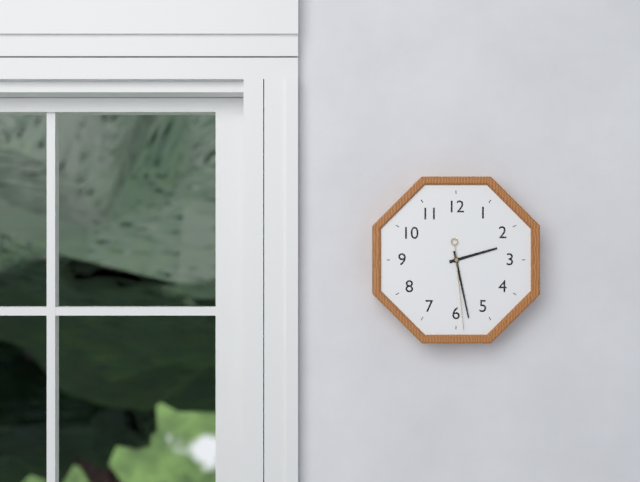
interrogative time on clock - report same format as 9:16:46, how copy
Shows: 2:28:29
